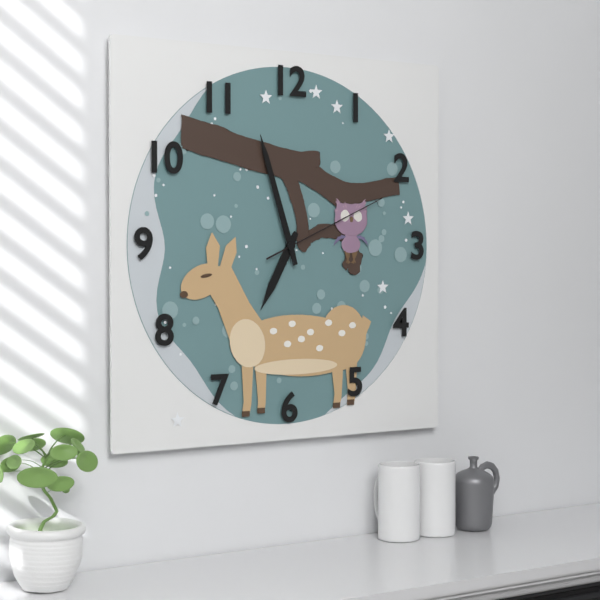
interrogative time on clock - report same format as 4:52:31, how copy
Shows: 6:57:11
